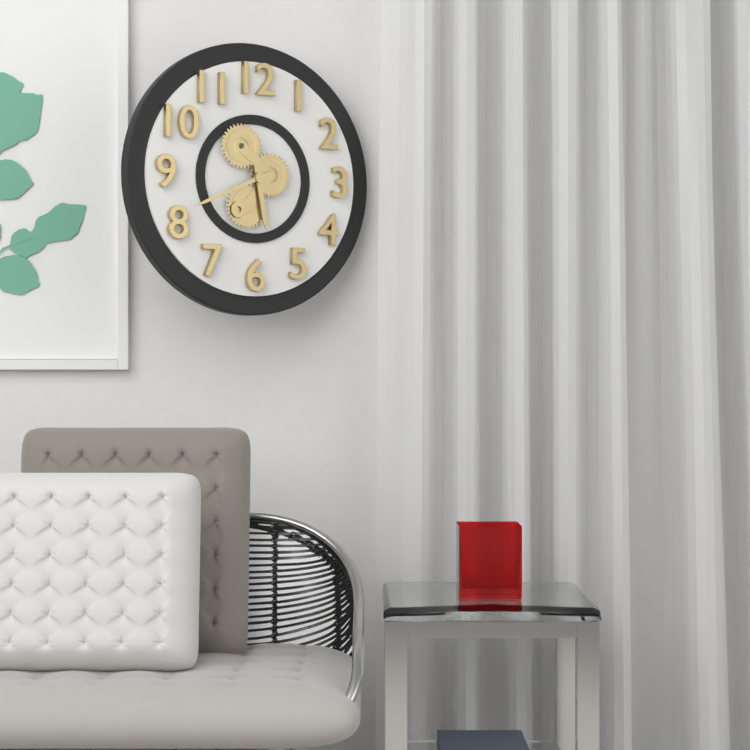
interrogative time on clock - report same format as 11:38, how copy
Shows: 5:41
